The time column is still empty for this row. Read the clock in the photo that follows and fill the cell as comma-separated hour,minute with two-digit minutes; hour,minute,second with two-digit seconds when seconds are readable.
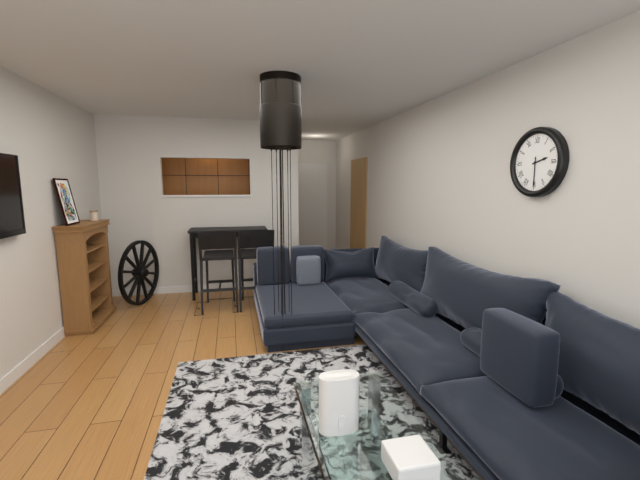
2,30
